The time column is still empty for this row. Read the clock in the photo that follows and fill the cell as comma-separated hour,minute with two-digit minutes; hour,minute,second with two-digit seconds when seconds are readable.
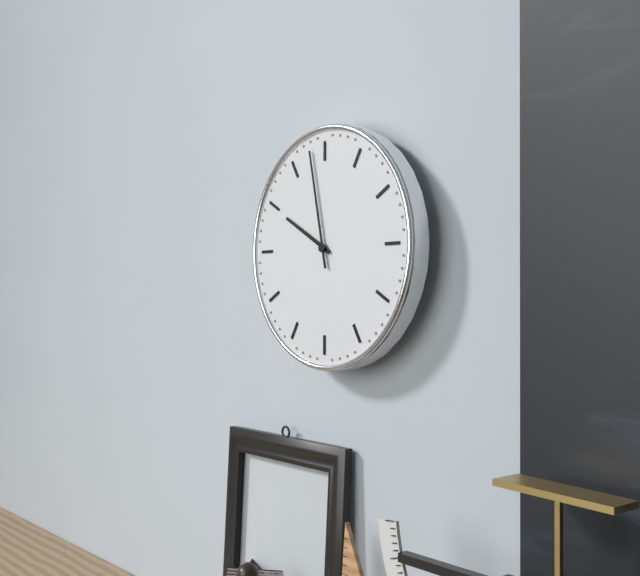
9,58
